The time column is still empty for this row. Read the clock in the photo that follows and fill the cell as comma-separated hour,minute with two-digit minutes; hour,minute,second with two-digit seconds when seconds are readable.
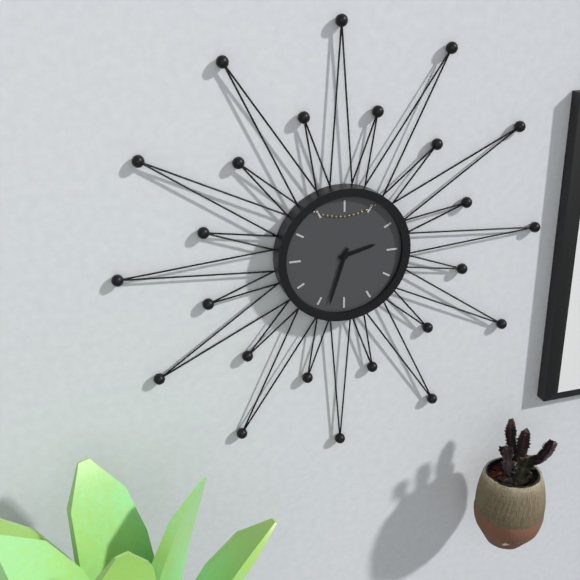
2,33
